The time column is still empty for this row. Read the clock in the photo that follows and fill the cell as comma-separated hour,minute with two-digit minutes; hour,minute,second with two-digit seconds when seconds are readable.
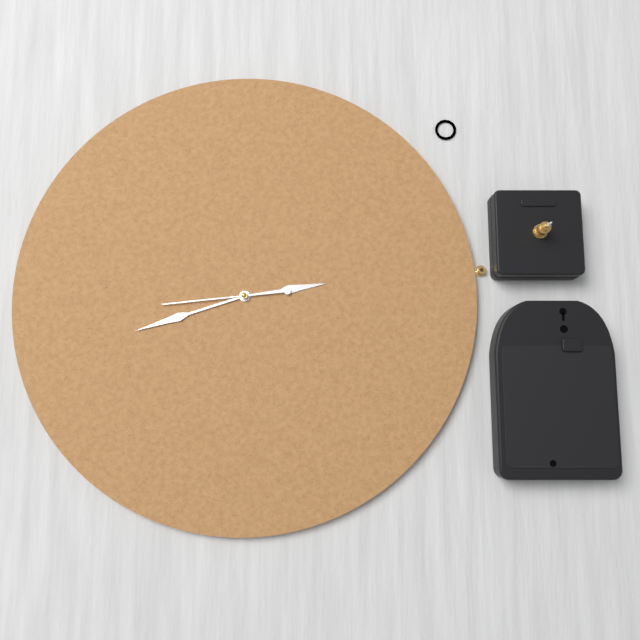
2,42,44
